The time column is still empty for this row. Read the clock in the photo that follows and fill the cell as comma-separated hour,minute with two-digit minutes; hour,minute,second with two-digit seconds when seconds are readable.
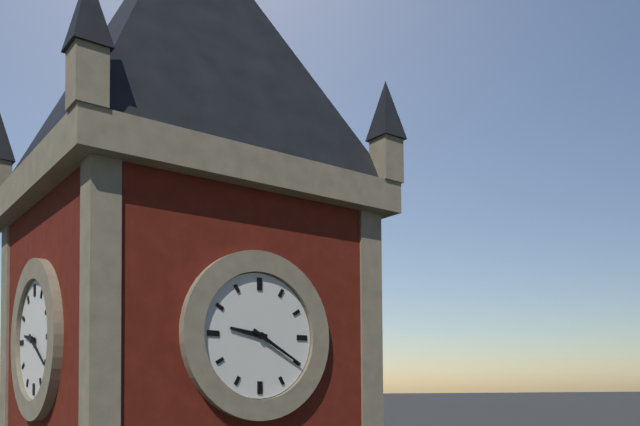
9,20
